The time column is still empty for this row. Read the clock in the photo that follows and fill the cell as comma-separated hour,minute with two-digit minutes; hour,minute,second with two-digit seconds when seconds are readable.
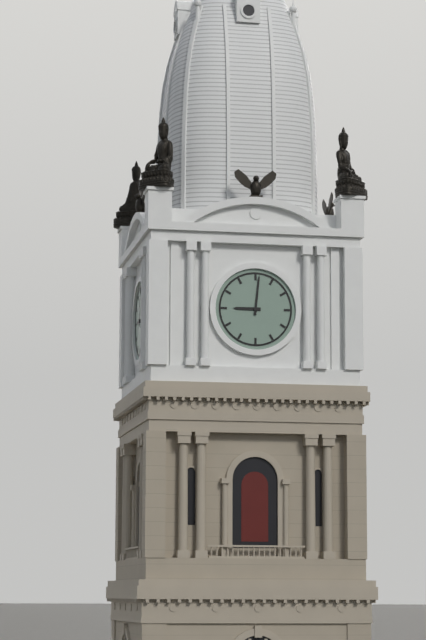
9,01
